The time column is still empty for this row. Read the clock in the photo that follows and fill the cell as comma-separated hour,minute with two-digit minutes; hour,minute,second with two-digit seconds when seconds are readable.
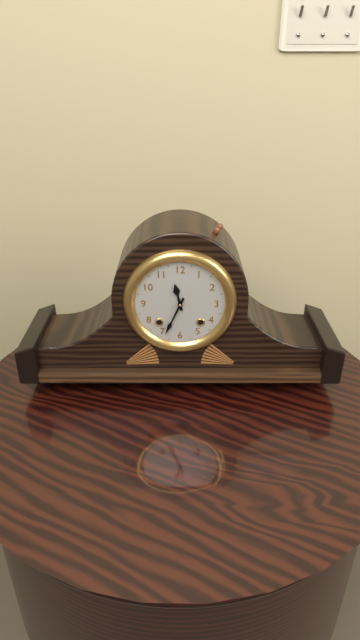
11,34
